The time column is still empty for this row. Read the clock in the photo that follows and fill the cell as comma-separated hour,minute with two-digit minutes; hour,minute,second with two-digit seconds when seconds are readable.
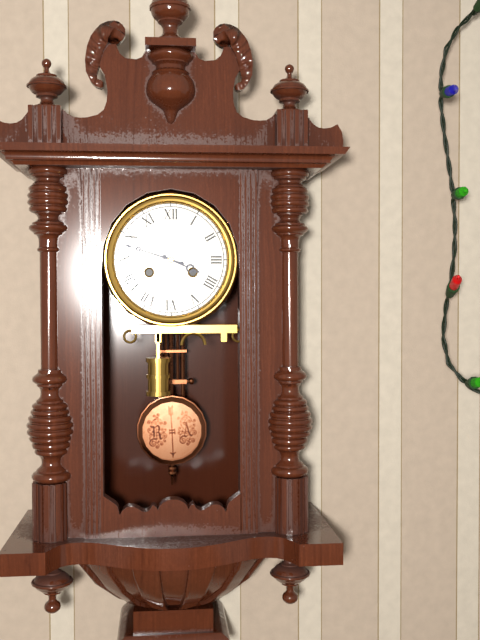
3,48
